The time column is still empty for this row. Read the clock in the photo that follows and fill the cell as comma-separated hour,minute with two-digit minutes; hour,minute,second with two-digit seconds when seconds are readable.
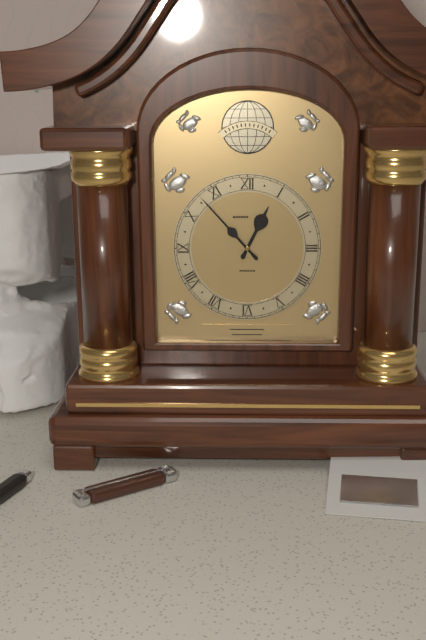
12,53
